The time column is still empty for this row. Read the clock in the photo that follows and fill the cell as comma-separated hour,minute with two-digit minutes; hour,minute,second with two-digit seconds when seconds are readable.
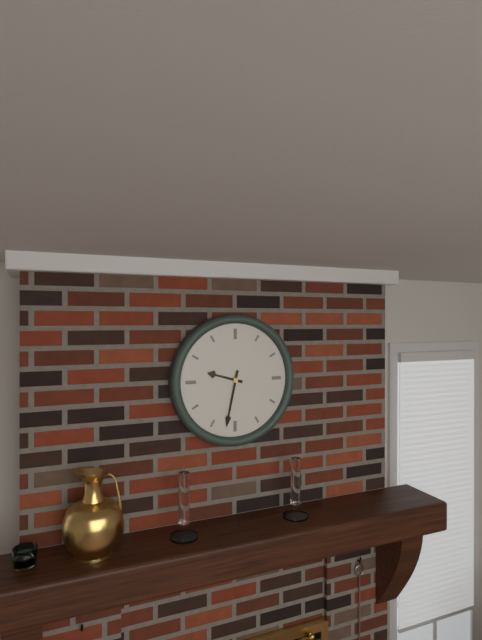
9,32
